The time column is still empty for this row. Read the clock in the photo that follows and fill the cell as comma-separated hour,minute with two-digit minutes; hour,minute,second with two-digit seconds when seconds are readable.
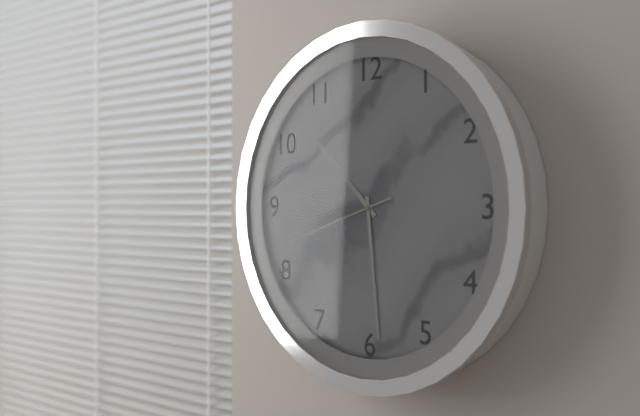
10,29,42
